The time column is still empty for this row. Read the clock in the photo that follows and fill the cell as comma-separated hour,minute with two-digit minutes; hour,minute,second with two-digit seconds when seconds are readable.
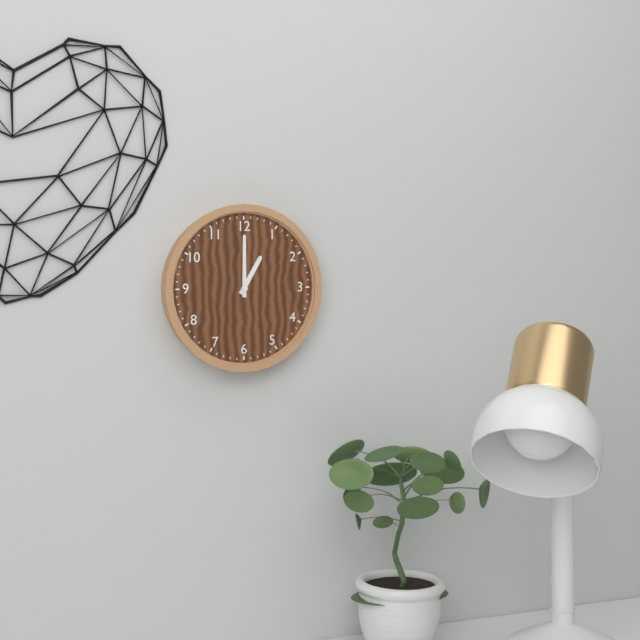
1,00
